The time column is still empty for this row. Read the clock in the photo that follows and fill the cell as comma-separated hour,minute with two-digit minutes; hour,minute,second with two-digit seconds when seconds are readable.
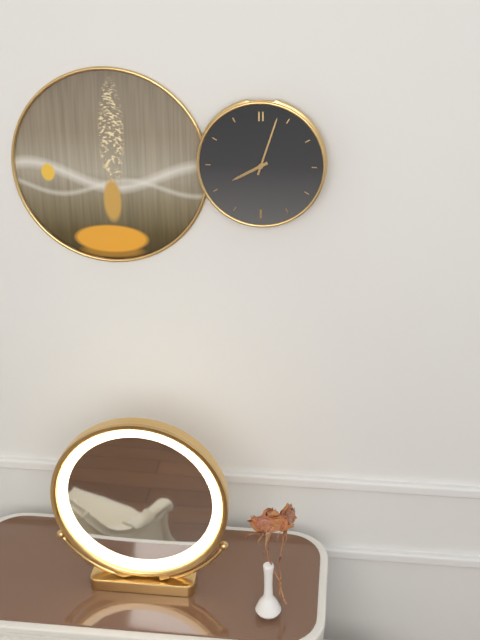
8,03
